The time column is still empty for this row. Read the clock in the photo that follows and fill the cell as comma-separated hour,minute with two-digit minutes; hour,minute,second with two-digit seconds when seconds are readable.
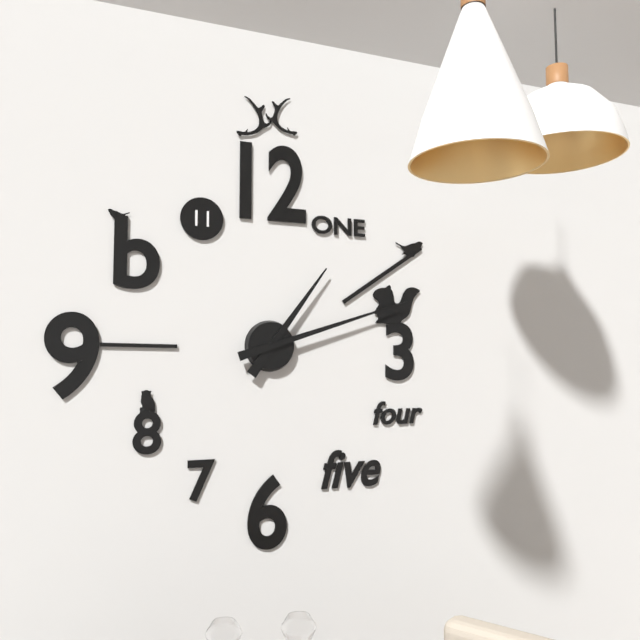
1,12
